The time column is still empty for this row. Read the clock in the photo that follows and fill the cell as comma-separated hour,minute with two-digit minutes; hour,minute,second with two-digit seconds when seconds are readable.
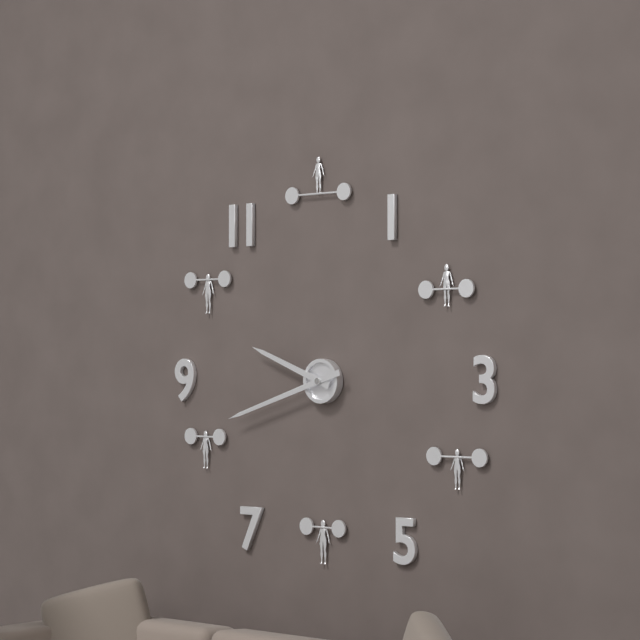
9,42
